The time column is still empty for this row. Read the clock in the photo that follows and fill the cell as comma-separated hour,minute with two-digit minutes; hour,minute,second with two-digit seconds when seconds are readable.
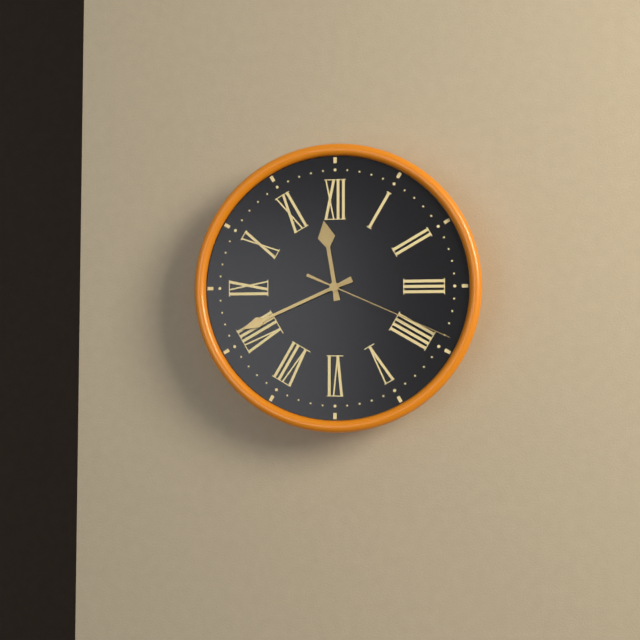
11,41,19
